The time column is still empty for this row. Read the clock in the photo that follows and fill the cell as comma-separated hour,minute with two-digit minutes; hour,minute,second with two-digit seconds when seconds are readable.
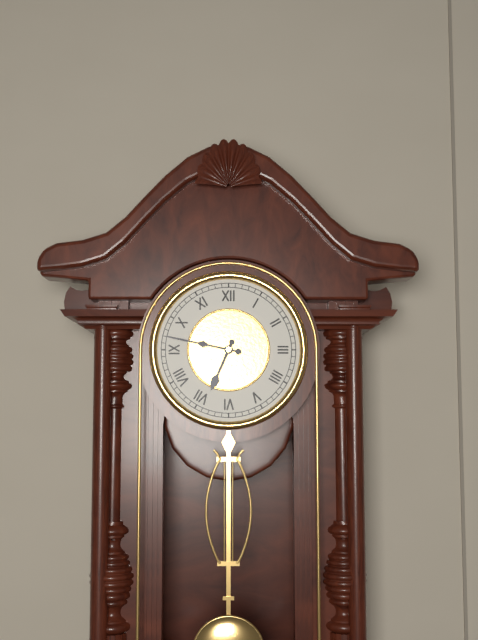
6,47
